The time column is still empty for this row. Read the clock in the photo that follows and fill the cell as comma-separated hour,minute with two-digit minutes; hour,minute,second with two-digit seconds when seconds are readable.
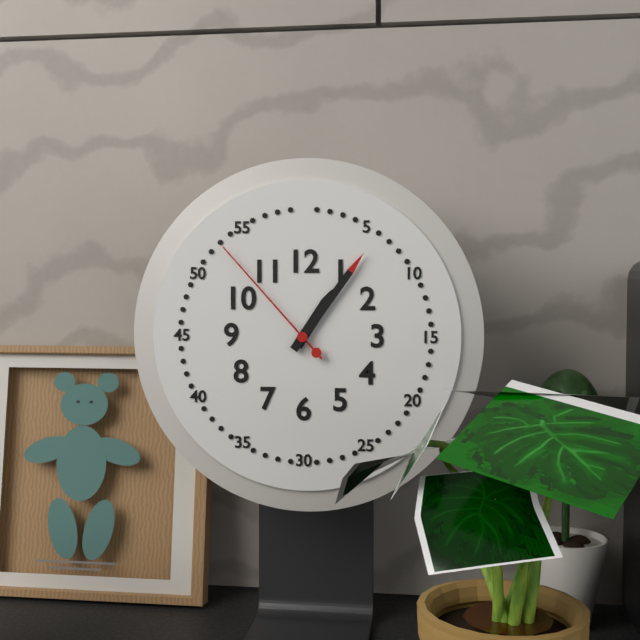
1,06,53
